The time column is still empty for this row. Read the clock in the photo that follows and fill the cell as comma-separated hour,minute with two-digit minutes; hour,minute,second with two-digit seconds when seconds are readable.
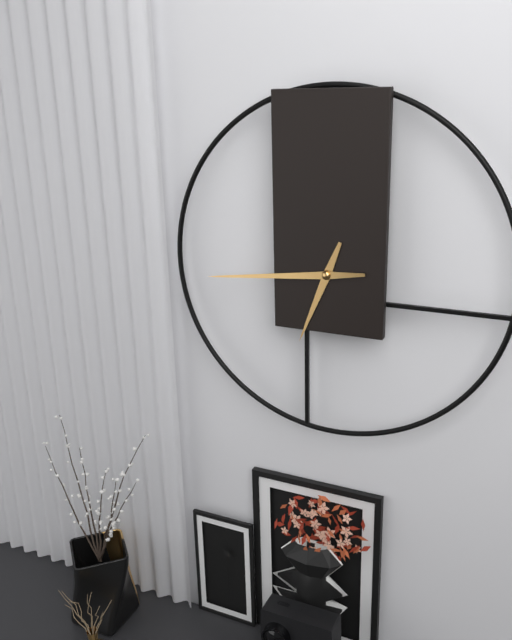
6,44
